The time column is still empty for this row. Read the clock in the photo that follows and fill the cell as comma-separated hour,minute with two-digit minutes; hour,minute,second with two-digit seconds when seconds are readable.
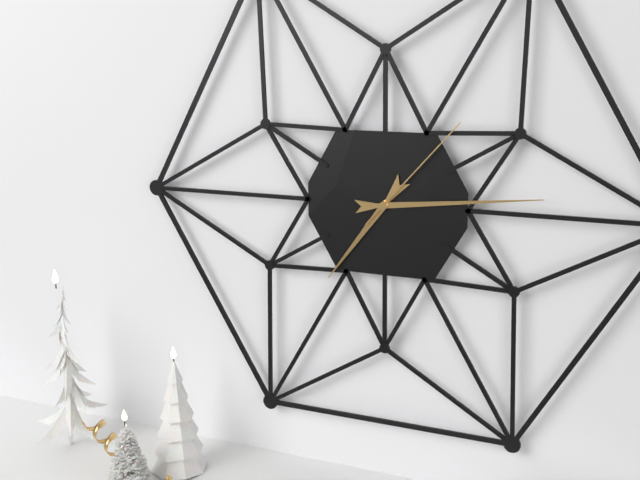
7,14,07
